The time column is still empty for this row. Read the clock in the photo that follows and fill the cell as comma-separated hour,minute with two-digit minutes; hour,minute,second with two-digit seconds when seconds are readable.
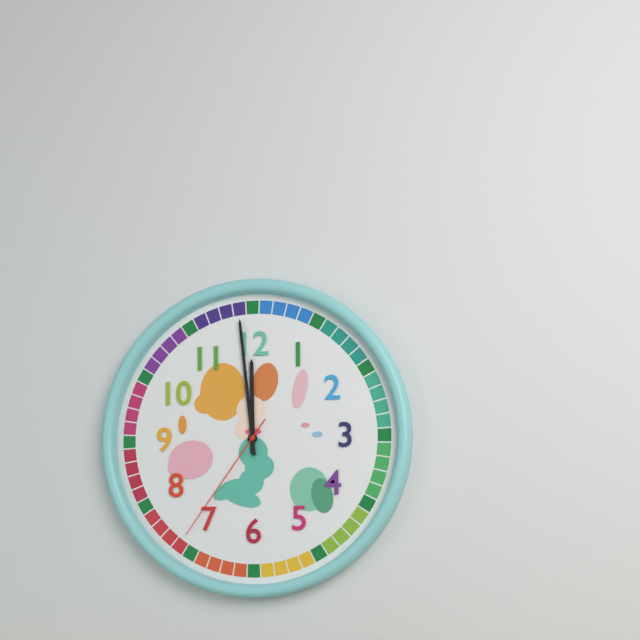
11,59,36
